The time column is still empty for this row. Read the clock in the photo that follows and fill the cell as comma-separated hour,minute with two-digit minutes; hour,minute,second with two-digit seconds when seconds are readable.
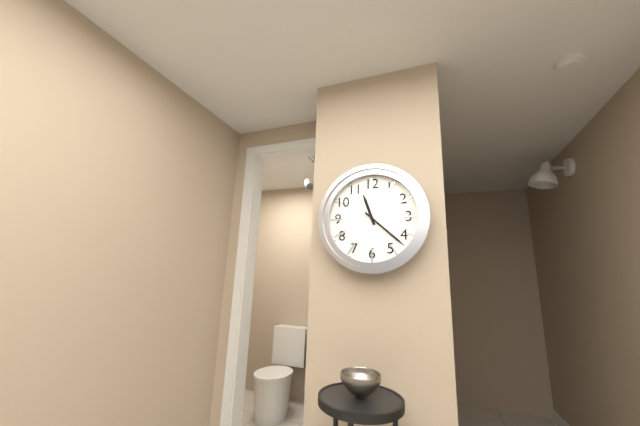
11,22
